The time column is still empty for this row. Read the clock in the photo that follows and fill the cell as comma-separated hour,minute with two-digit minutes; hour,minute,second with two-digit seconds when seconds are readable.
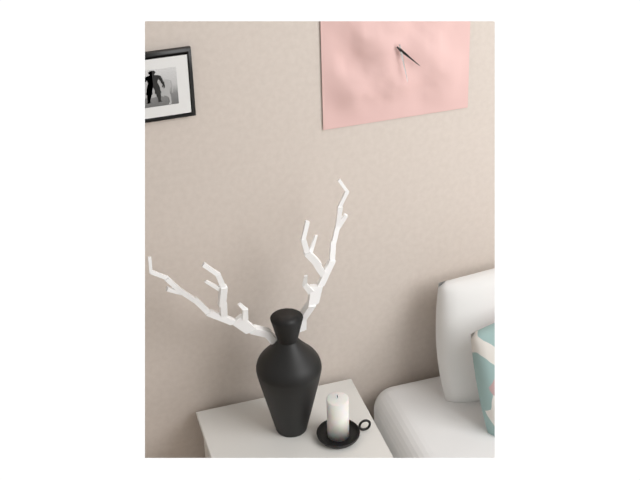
4,28
